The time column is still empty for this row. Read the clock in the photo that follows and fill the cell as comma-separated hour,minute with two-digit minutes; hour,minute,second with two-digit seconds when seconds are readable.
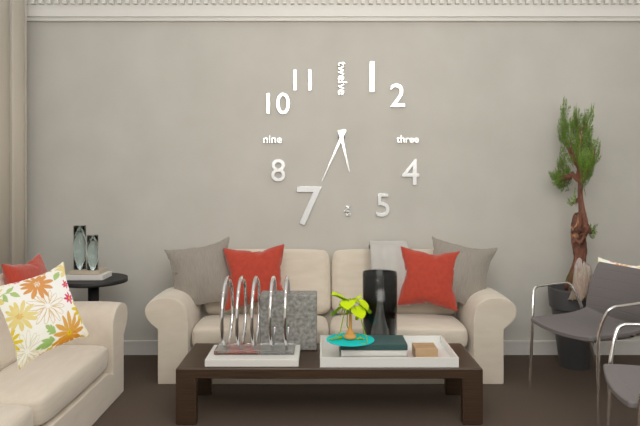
5,34
